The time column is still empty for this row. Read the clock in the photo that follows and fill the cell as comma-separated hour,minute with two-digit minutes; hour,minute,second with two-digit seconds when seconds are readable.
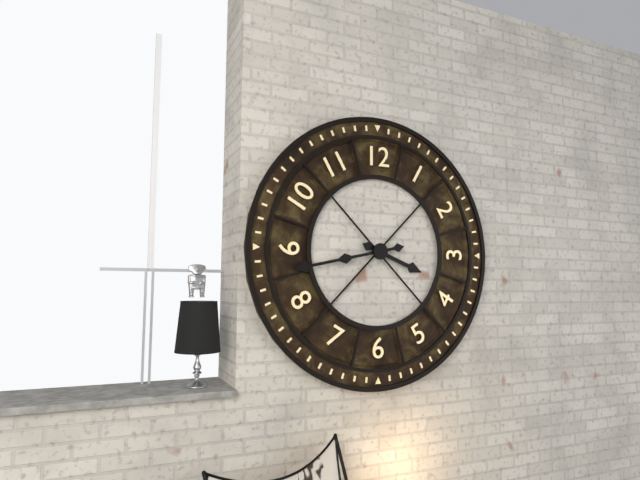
3,43
